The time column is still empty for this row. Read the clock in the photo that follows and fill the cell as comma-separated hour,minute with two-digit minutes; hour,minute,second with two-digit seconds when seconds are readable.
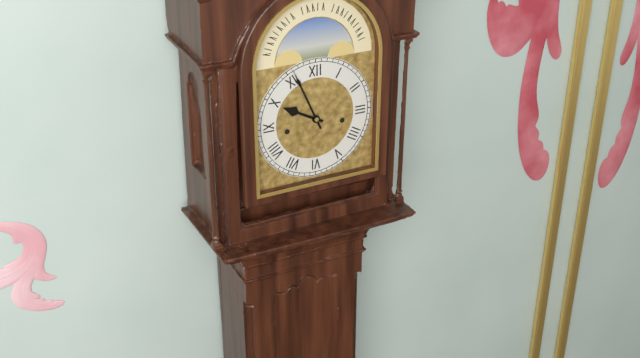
9,56
